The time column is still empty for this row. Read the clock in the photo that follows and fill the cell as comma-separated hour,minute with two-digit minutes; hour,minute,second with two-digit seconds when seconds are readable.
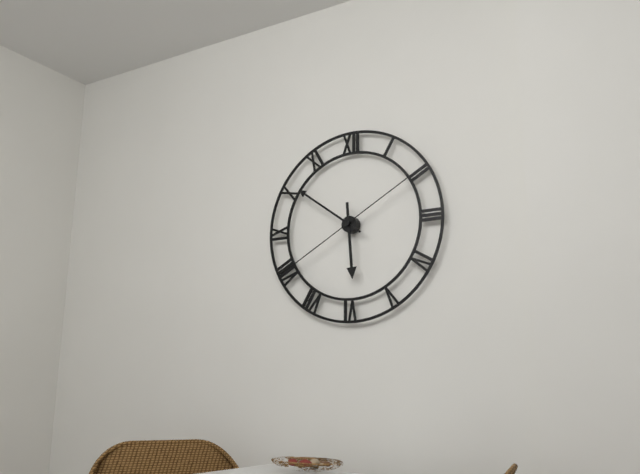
5,51,40
